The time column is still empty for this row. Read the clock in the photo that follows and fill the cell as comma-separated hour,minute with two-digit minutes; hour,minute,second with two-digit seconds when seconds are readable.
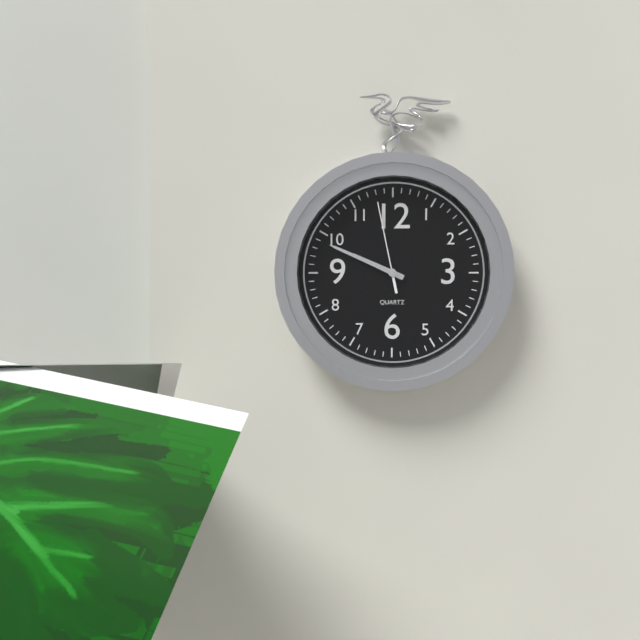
9,49,58
